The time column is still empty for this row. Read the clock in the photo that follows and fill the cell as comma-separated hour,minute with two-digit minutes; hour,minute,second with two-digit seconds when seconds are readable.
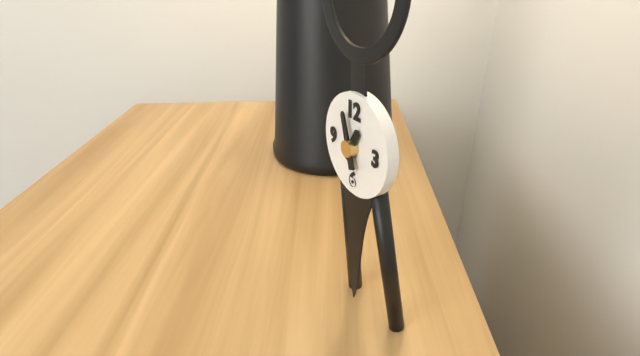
12,57
